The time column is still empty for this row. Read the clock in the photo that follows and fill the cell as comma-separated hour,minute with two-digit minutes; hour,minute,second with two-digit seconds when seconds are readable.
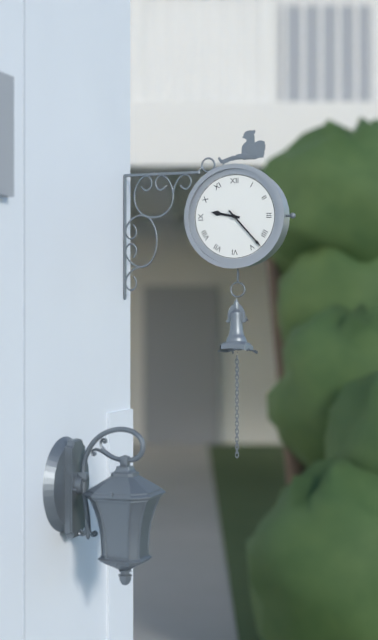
9,23
